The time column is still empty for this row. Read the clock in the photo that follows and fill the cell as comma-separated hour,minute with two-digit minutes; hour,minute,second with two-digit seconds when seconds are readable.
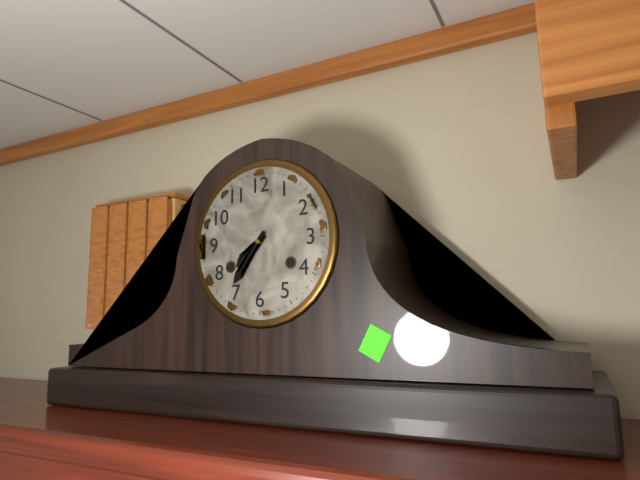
7,36
